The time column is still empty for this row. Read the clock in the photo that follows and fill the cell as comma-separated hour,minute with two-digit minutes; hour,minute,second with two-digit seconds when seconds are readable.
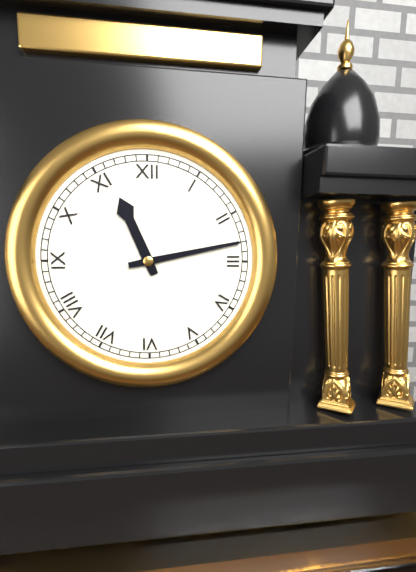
11,13
